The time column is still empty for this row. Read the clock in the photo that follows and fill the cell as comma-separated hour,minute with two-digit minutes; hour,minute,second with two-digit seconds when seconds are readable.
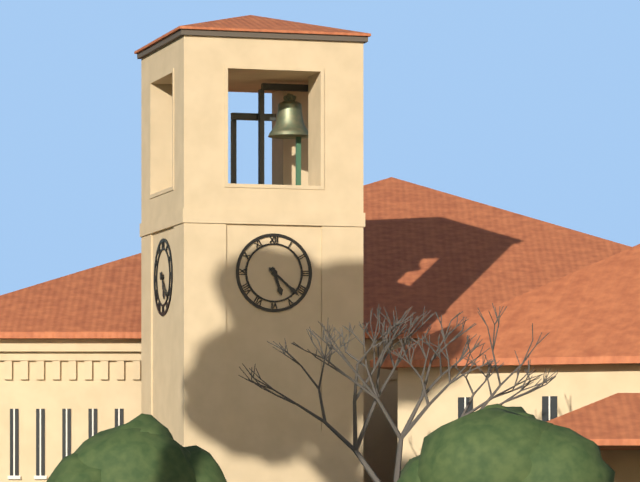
5,22
